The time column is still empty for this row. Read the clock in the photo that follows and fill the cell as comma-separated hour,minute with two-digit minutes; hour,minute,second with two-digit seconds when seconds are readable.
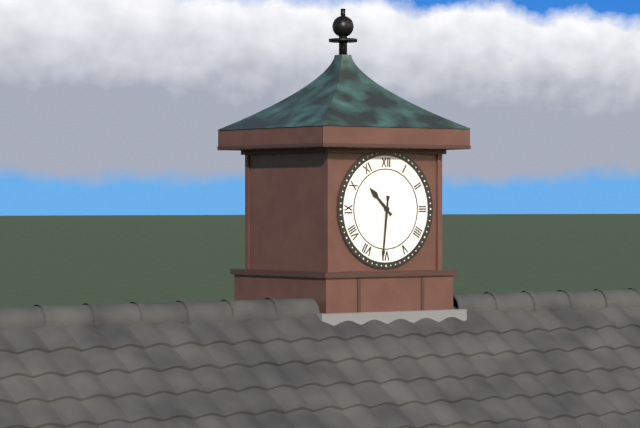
10,31
